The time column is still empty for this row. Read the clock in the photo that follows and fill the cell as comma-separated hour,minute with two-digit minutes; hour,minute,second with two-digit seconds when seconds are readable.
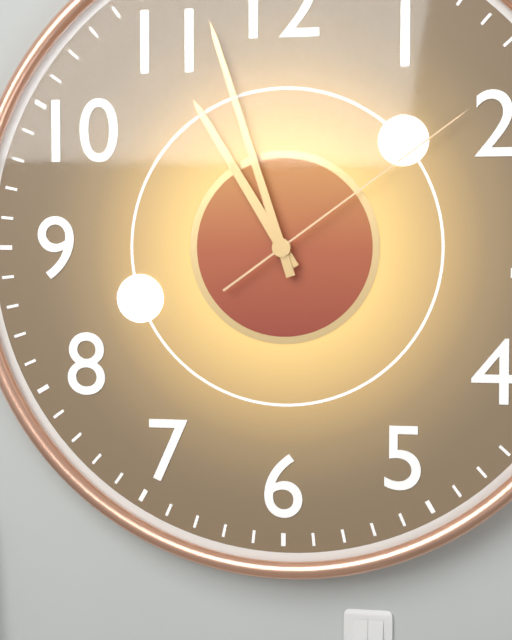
10,57,09
